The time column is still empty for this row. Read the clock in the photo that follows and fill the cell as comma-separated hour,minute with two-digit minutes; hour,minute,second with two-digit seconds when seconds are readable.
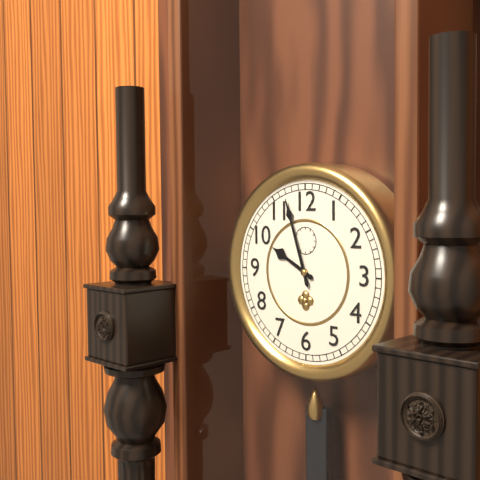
9,57
